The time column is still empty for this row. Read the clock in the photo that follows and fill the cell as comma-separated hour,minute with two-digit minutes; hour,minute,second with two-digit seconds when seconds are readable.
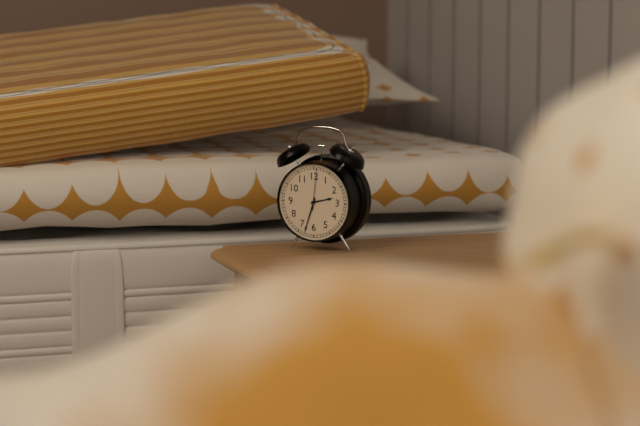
2,33
